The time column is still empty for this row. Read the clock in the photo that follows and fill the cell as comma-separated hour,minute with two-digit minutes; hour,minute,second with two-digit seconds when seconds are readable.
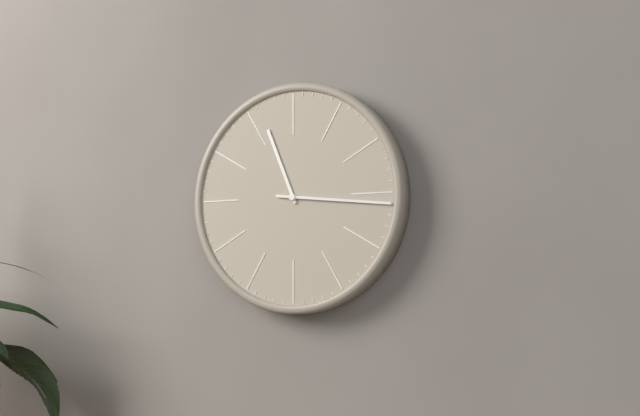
11,16
